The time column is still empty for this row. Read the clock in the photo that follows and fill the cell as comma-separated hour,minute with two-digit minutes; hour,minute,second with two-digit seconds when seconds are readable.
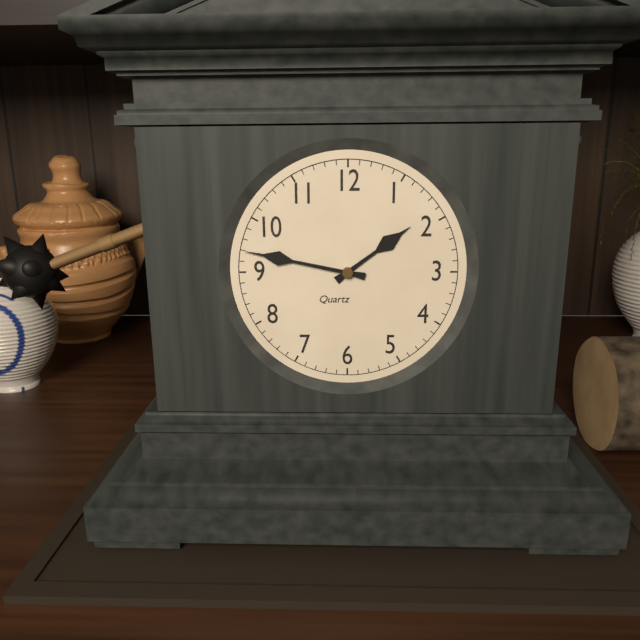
1,47
